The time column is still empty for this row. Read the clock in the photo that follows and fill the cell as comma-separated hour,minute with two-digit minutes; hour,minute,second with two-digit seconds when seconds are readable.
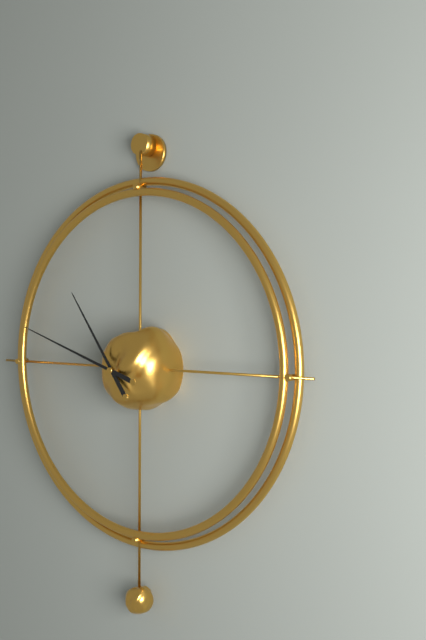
10,48
